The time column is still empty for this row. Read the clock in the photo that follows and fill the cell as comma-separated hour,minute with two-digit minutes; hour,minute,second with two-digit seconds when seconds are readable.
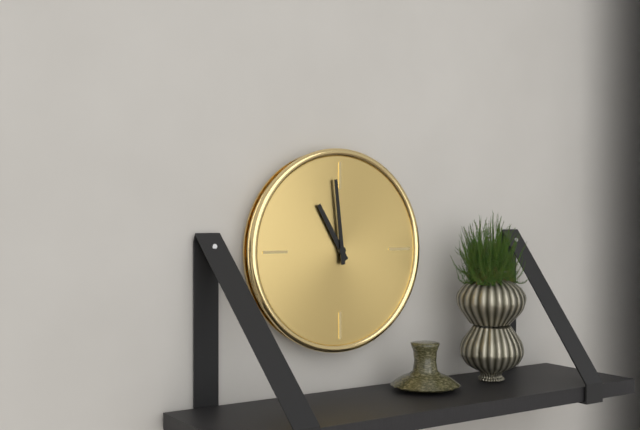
10,59
